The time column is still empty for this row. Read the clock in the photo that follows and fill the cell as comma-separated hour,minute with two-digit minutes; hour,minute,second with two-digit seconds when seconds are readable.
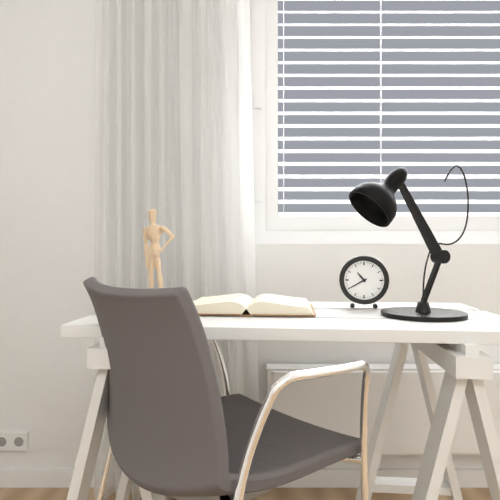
10,40
